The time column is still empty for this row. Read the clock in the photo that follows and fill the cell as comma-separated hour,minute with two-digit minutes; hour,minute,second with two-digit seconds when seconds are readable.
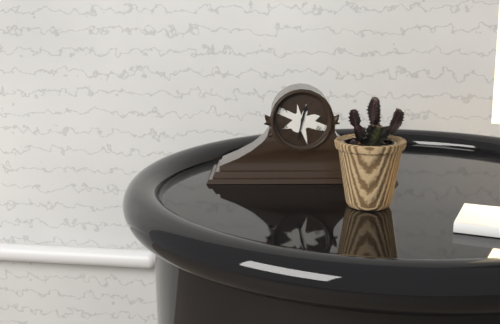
12,32
